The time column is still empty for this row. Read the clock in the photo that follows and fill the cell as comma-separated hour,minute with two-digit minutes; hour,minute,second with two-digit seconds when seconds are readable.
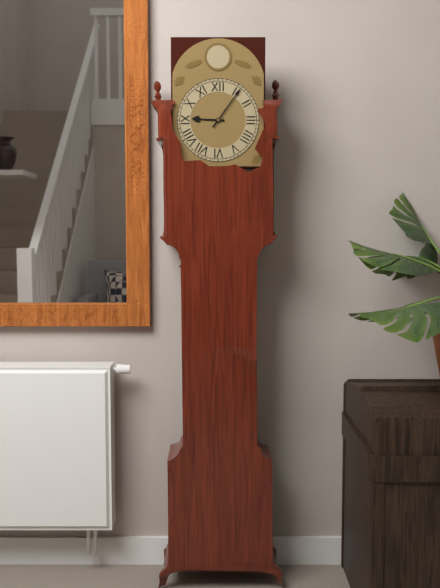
9,06
